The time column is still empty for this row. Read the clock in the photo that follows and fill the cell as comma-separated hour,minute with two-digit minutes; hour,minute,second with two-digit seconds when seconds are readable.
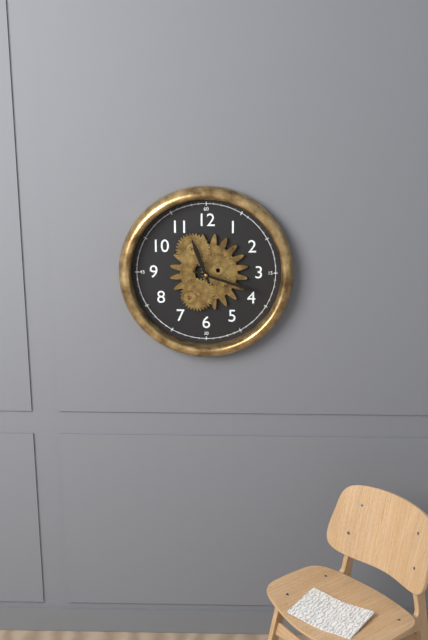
11,18
